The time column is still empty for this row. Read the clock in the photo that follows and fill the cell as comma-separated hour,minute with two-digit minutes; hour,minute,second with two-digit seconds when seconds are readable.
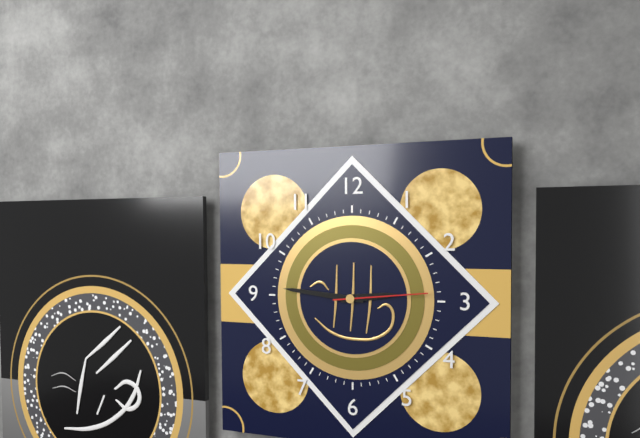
2,46,14
